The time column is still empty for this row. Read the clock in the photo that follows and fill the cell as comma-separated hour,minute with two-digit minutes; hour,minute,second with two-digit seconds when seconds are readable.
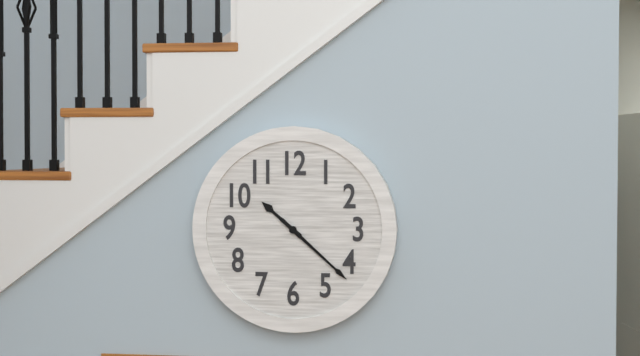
10,22
